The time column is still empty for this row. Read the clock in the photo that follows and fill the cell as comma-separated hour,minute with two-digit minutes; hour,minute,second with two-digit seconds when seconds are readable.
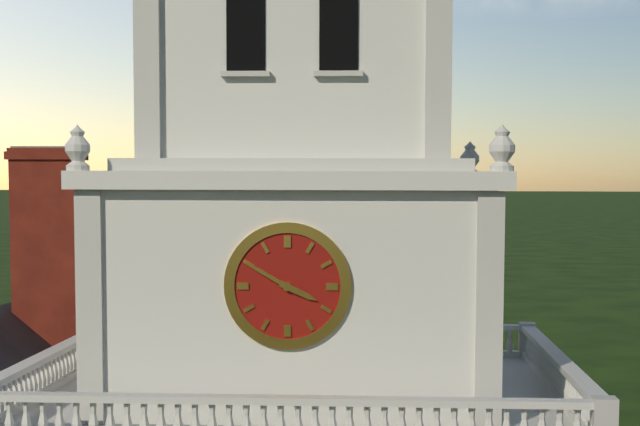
3,50
